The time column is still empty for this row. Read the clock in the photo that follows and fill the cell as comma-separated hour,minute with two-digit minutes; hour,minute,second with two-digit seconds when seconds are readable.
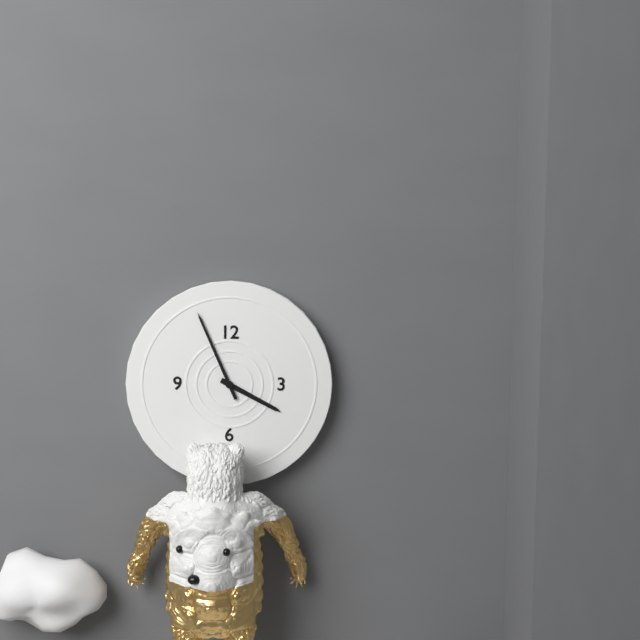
3,56
